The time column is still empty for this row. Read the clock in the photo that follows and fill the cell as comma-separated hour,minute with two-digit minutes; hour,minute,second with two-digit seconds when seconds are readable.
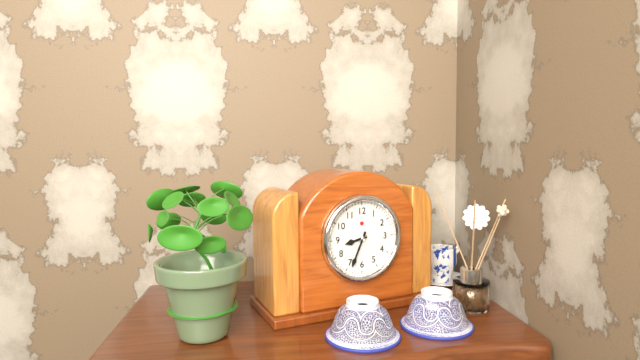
8,34
